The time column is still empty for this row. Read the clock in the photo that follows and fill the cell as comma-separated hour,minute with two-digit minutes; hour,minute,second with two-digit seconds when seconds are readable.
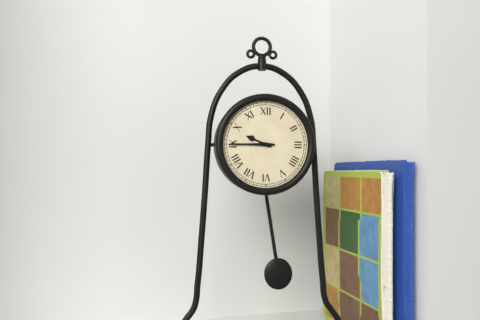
9,45
